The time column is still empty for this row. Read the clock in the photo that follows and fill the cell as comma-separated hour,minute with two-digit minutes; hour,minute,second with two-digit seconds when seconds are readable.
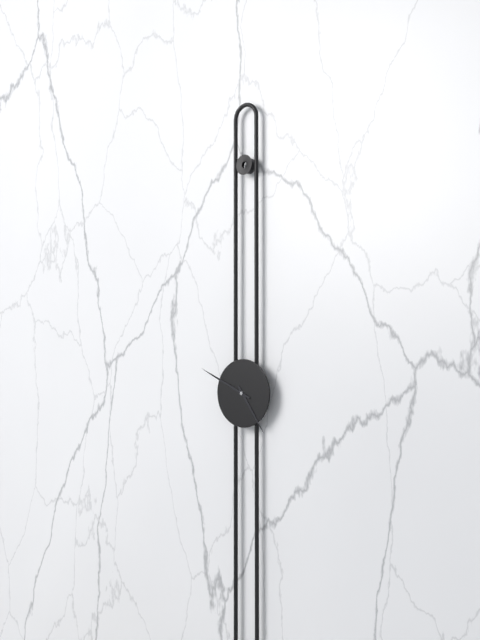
4,49
